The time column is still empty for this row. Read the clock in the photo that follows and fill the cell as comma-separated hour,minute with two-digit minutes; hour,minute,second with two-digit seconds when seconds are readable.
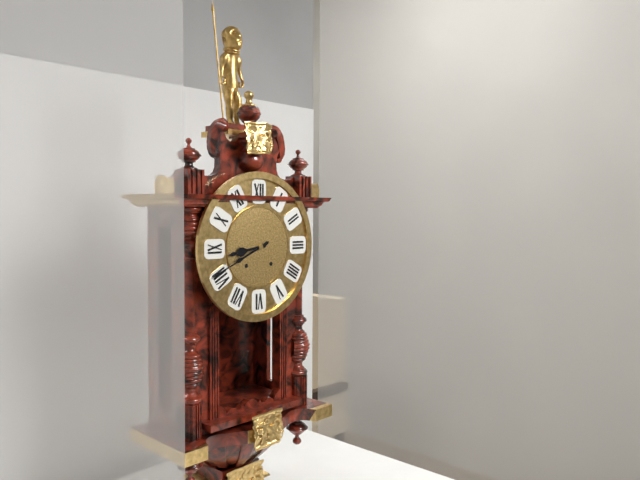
8,41
